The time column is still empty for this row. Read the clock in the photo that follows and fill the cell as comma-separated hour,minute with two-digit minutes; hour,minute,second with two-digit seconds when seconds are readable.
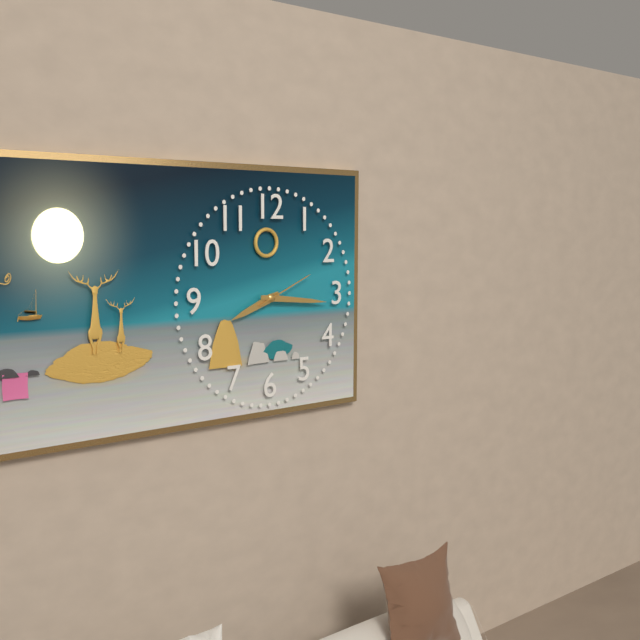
8,16,11
